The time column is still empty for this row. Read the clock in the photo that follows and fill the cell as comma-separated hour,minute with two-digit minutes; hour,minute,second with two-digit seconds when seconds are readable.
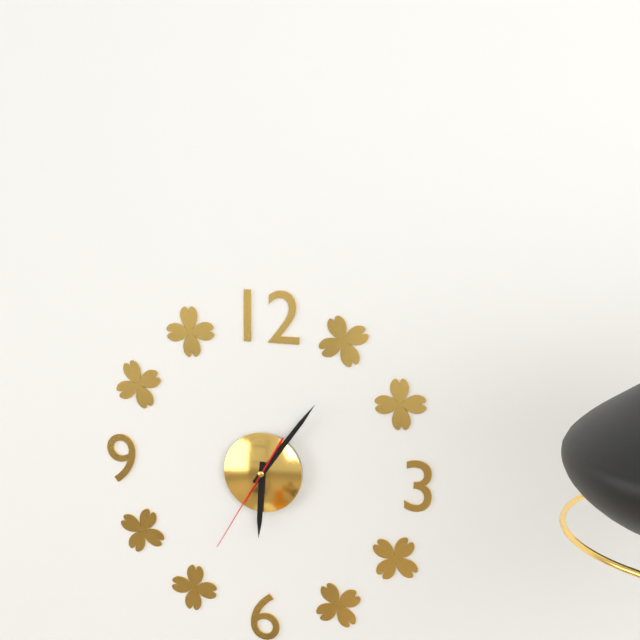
6,06,35
